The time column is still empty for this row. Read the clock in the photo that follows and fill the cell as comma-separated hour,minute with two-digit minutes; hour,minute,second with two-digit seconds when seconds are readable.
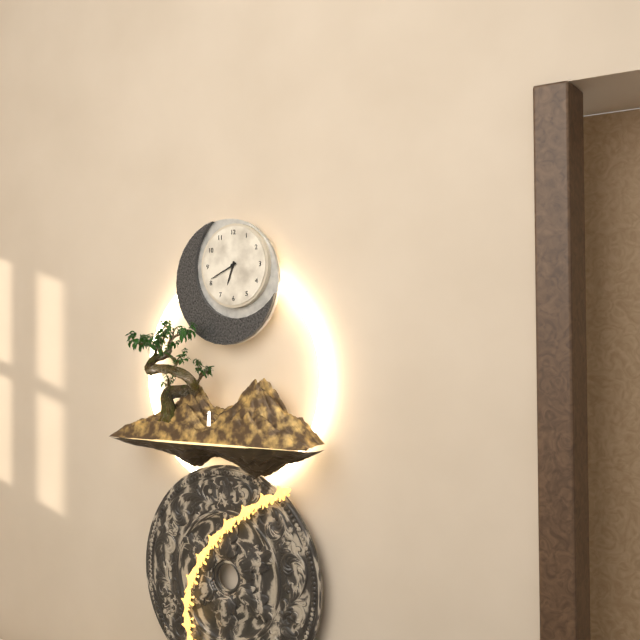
6,41
